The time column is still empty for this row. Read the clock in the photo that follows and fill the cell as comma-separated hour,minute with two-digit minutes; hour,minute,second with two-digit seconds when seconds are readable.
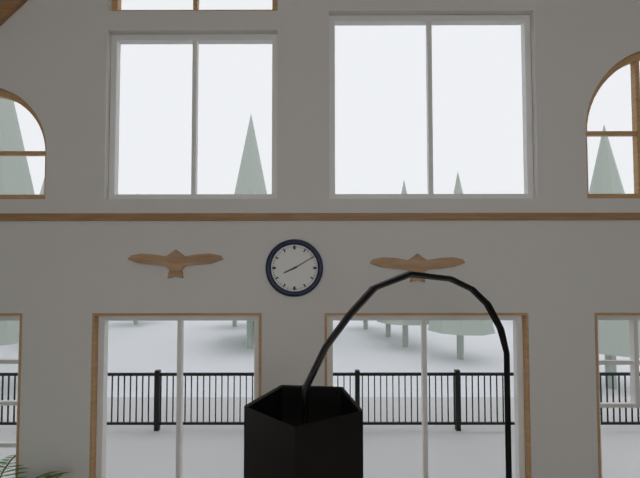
8,10
